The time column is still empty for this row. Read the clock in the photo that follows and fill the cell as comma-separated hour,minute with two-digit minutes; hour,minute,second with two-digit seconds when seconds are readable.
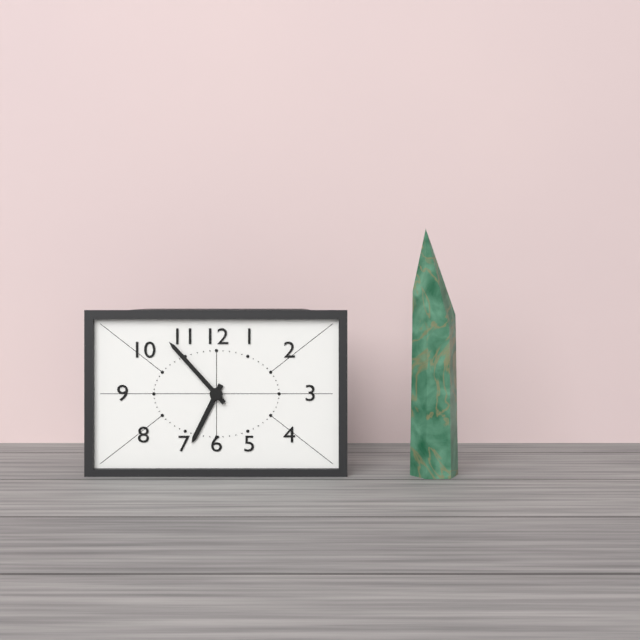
6,53
